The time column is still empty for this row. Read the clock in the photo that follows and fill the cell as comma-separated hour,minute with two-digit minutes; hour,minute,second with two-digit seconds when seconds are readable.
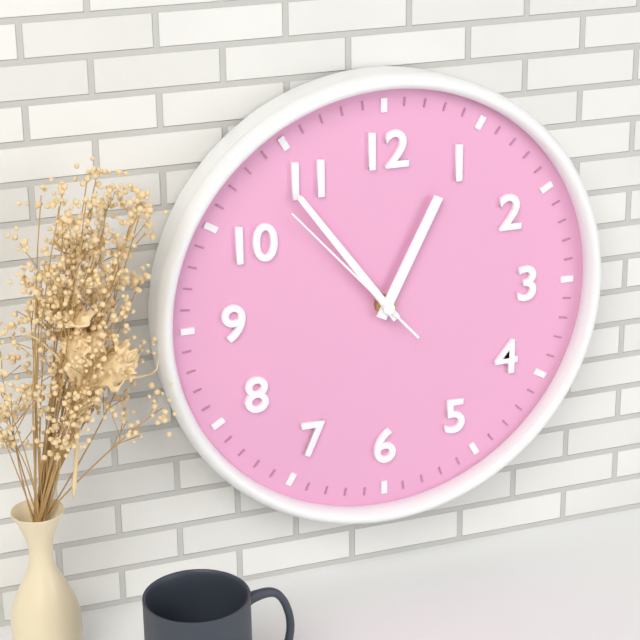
12,54,53
